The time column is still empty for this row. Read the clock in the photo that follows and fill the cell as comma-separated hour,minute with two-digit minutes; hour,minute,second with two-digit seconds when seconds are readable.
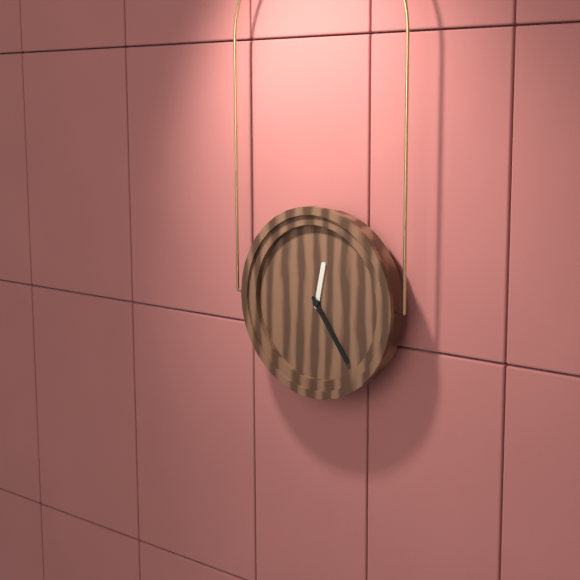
12,24
